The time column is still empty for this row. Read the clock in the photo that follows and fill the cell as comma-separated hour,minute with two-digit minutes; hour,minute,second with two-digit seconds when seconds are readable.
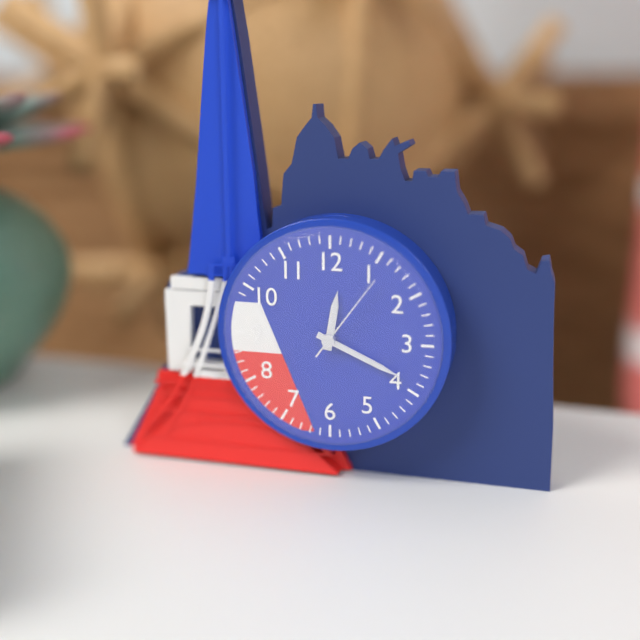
12,19,06
